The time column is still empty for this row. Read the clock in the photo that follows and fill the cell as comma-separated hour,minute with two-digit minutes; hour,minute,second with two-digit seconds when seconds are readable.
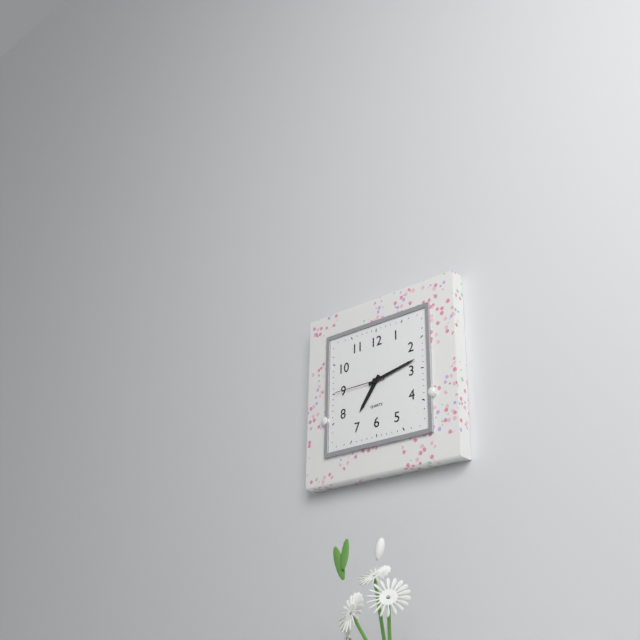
7,13,45
